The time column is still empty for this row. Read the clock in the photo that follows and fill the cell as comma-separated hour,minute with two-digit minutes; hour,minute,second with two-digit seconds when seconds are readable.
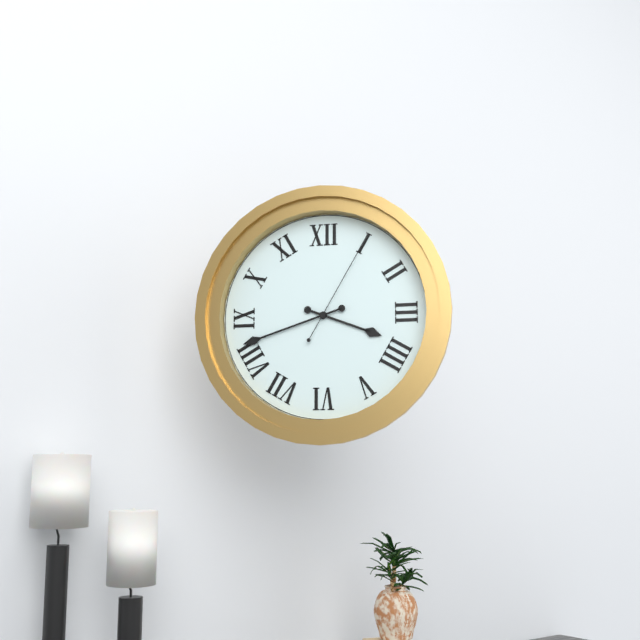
3,42,05
